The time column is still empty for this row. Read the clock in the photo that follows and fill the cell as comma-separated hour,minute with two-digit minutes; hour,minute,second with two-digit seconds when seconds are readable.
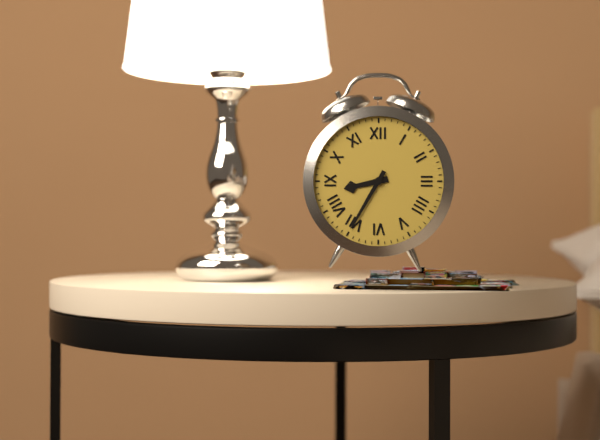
8,35
